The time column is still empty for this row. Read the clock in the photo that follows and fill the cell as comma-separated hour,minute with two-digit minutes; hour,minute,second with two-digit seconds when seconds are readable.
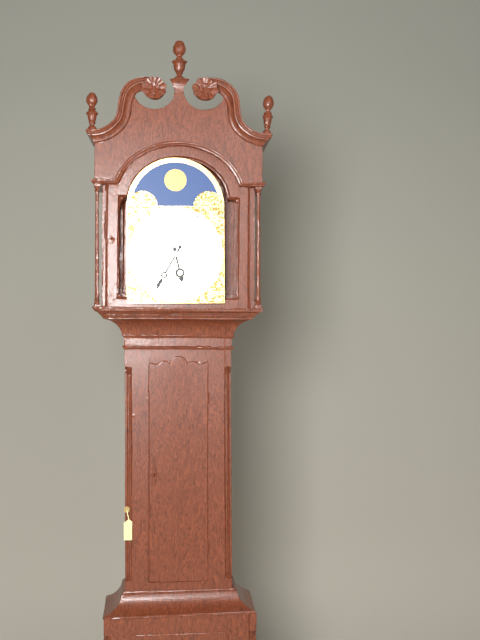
5,35
